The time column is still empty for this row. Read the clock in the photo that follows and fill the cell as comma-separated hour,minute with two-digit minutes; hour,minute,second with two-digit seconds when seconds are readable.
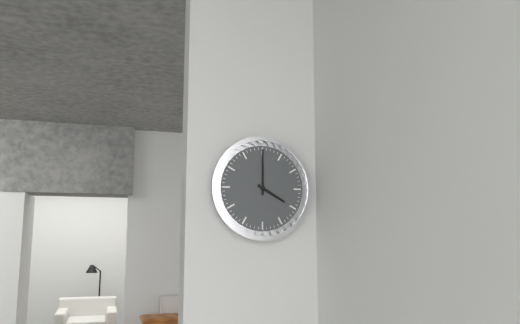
4,00
